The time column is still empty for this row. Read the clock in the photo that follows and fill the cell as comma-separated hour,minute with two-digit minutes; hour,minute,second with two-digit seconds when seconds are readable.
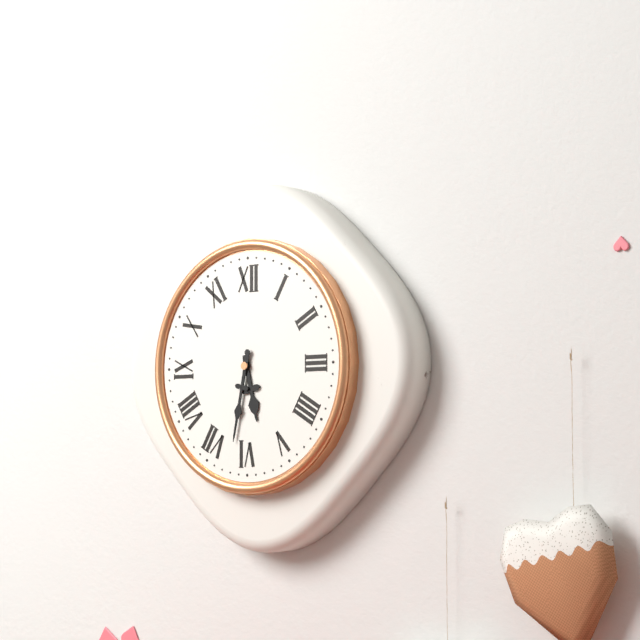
5,32
